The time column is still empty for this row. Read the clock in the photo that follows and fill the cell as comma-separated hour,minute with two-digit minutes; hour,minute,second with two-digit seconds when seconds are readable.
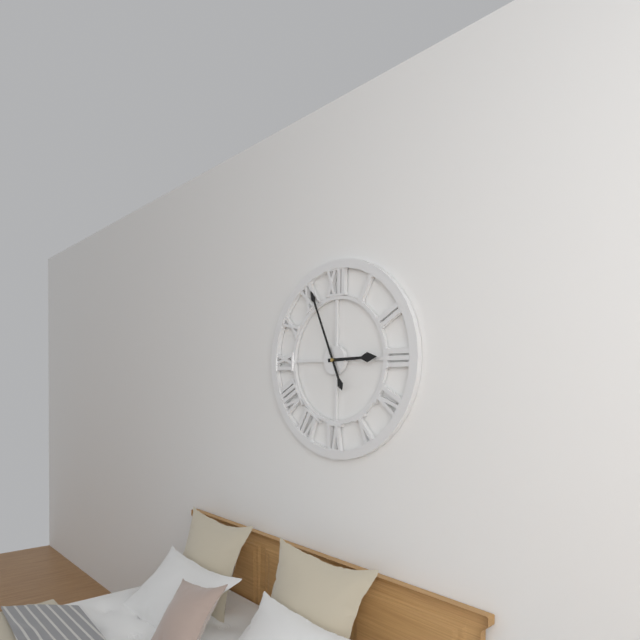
2,56
